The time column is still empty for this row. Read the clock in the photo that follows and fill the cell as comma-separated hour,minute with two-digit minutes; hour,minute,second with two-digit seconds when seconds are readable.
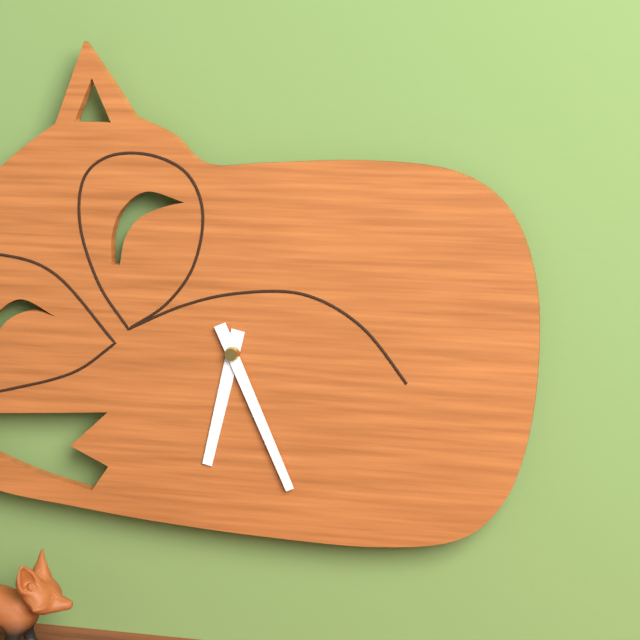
6,26
